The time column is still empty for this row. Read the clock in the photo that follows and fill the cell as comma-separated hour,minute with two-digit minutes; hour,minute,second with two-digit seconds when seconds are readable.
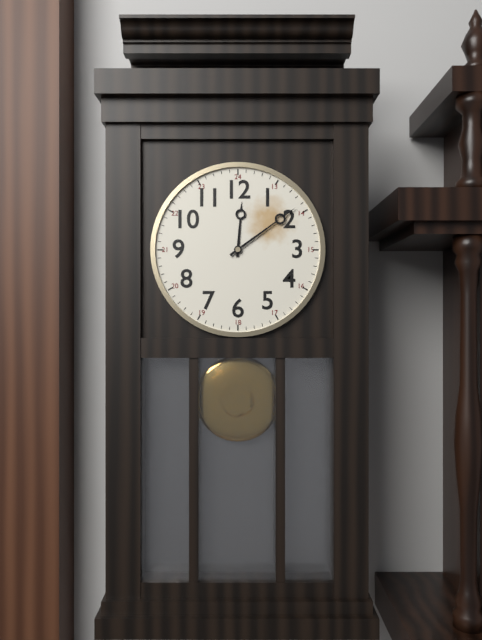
12,09
